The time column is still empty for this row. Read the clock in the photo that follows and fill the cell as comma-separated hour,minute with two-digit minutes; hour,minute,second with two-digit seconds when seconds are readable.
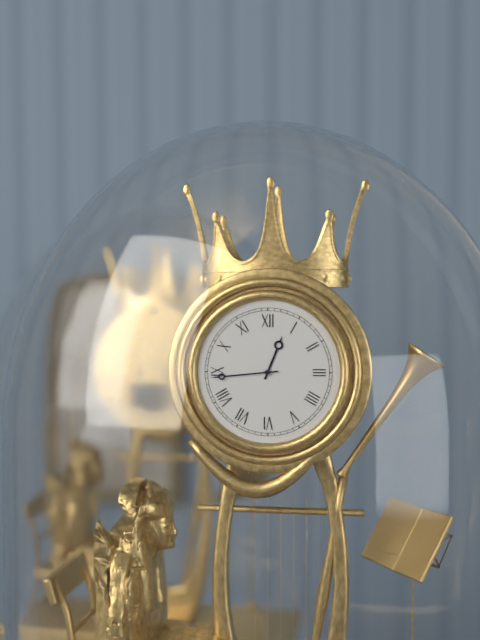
12,44
